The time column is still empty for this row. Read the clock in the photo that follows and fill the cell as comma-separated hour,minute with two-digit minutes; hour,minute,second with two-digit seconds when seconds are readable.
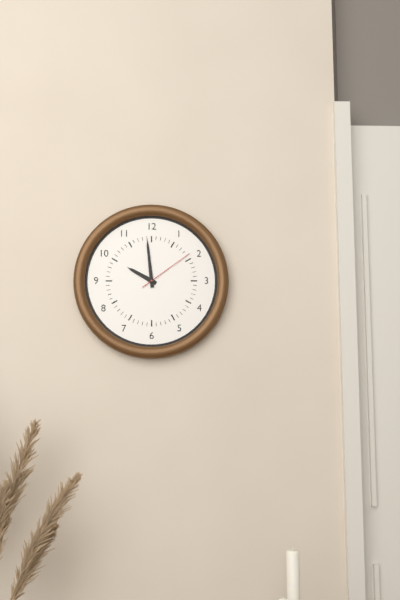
9,59,09
